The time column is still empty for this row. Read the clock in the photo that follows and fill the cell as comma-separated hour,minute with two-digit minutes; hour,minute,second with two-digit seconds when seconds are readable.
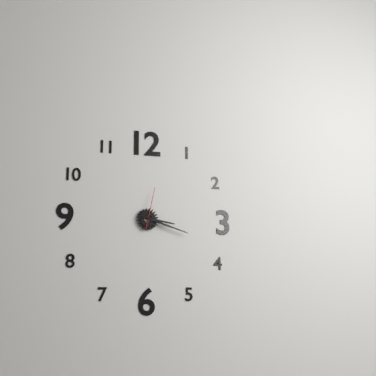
3,18
